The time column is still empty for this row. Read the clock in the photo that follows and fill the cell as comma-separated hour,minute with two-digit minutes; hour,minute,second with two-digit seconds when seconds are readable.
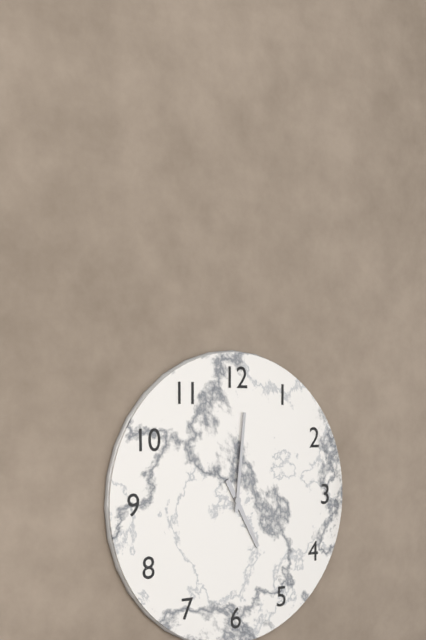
5,01
